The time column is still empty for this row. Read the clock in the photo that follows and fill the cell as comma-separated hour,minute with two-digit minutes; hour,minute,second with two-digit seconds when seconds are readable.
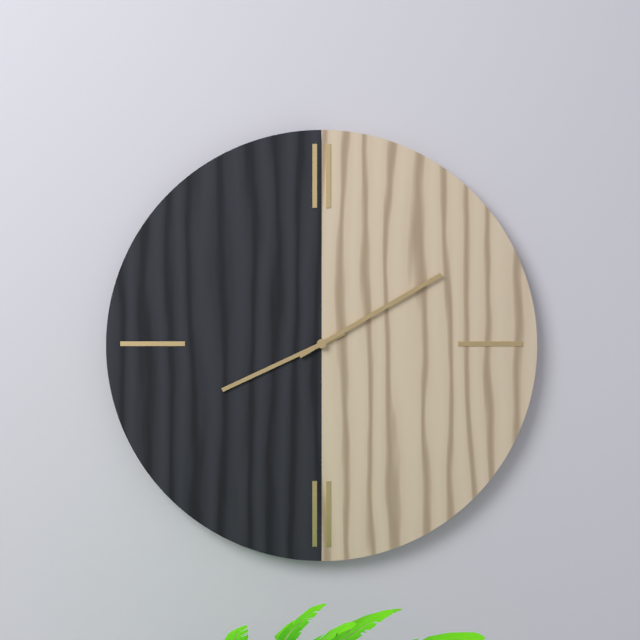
8,10
